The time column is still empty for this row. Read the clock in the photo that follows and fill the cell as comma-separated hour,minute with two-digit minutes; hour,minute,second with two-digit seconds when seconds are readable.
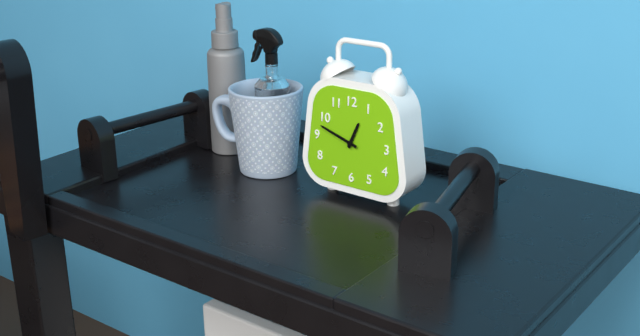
12,48
